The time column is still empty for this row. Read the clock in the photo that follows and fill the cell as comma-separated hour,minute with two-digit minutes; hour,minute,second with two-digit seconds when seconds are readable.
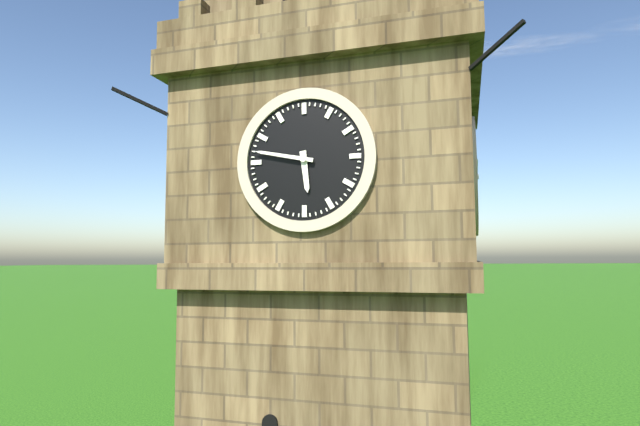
5,47
